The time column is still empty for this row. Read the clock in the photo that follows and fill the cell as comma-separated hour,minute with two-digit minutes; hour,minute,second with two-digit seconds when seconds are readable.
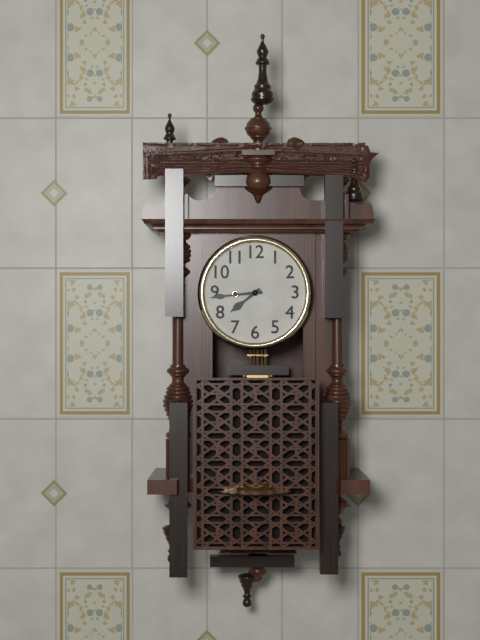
7,44
